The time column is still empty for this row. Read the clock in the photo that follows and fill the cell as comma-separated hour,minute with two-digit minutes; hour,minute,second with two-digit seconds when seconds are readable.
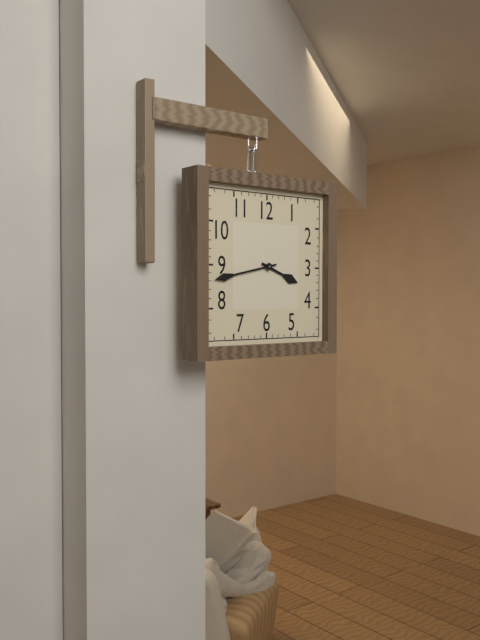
3,43
